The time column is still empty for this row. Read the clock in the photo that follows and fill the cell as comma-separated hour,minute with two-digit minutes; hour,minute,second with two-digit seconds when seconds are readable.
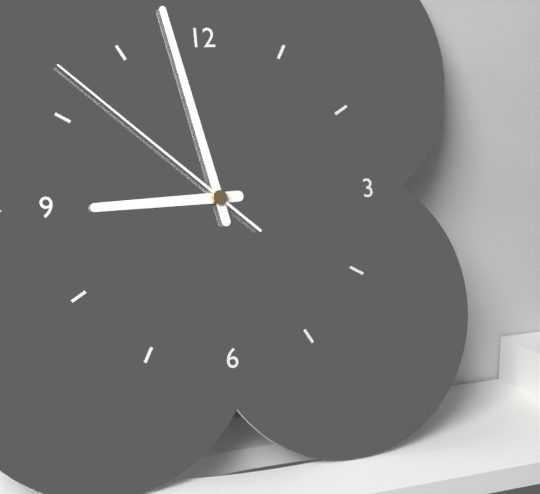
8,58,52
